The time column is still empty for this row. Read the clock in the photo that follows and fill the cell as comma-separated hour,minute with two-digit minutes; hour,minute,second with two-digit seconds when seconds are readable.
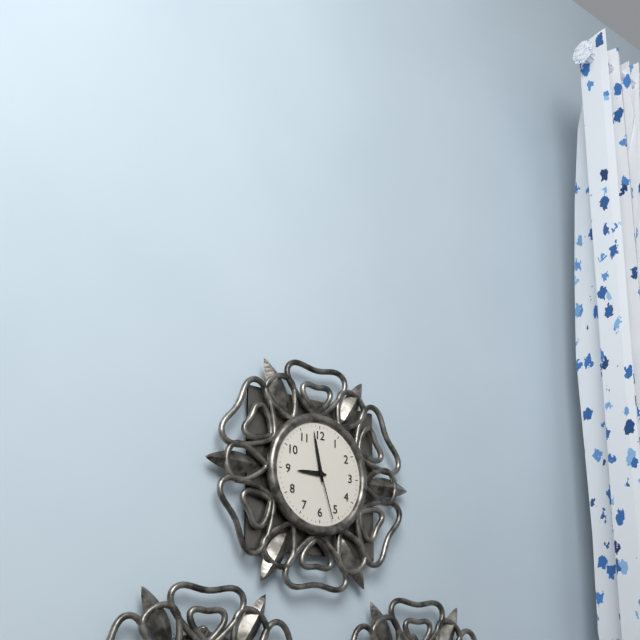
8,58,27
